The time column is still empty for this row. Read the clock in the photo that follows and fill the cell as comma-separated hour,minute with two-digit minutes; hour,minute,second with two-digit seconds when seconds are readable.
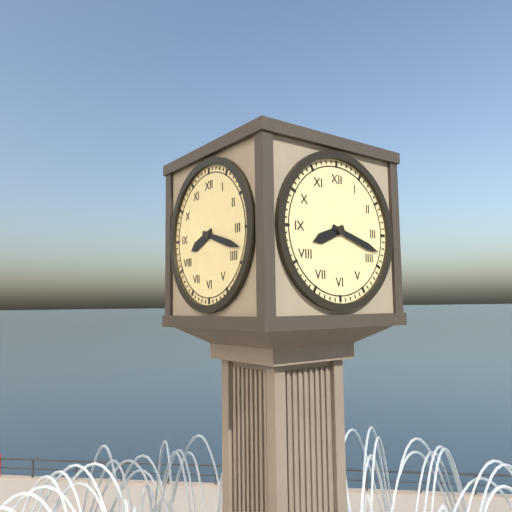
8,18
